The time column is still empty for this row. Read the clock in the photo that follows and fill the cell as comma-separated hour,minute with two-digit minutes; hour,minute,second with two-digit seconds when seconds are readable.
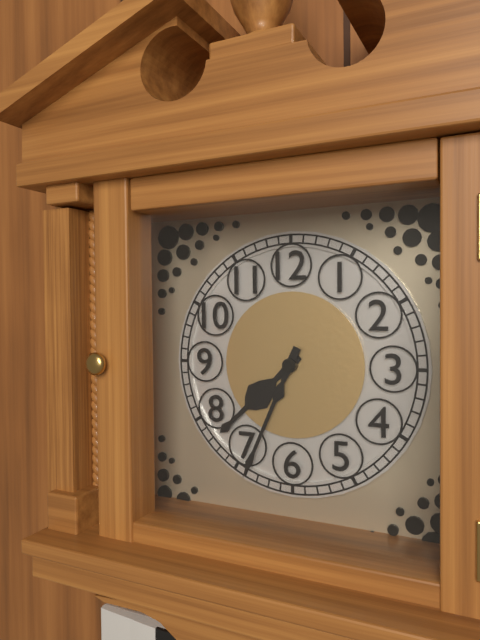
7,34
